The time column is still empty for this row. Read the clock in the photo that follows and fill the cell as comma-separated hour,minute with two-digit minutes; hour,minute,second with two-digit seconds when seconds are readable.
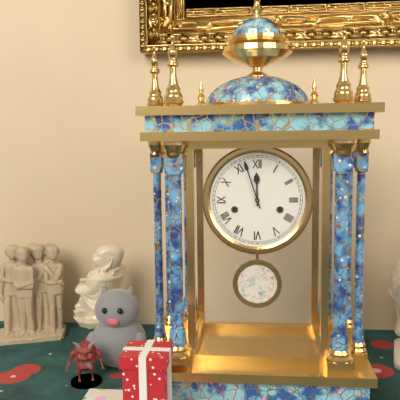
11,57
